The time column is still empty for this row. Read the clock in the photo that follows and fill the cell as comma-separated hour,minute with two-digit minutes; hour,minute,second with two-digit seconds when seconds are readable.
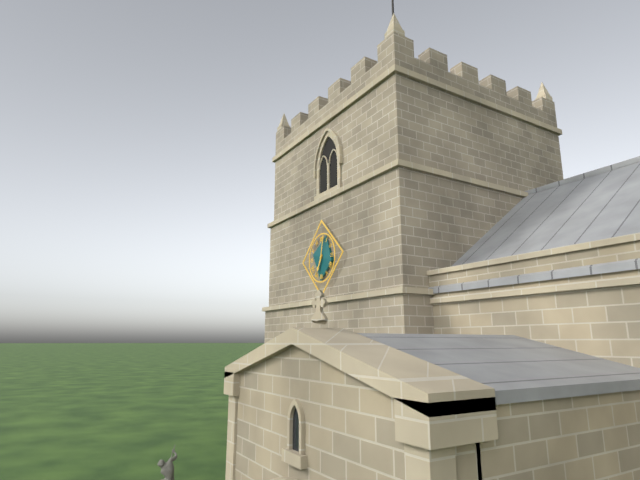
7,02
